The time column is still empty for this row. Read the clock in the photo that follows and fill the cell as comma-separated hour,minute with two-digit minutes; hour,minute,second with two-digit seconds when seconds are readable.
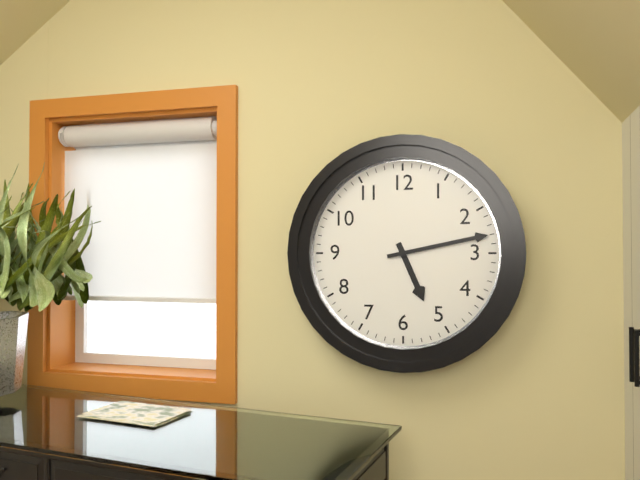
5,13
